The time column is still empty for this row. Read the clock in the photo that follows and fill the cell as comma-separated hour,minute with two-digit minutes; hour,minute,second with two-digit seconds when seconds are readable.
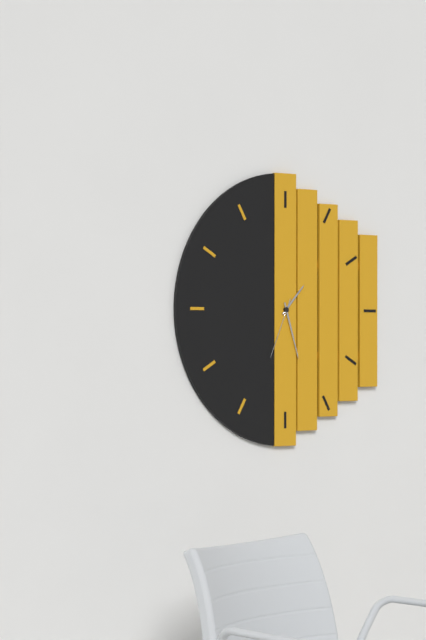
1,27,34
